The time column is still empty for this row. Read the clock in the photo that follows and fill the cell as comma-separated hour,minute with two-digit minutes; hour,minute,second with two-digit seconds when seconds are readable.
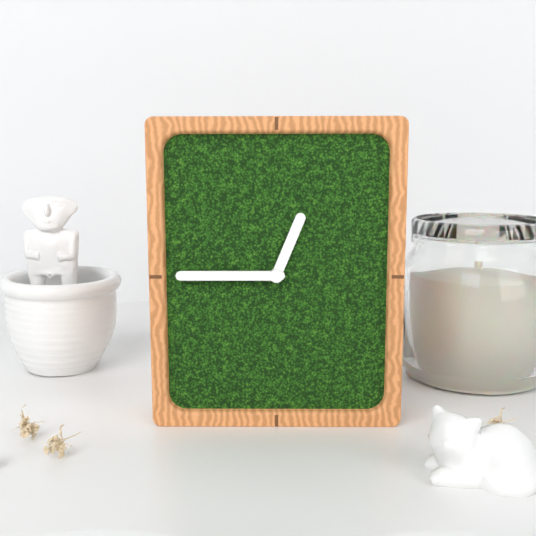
12,45
